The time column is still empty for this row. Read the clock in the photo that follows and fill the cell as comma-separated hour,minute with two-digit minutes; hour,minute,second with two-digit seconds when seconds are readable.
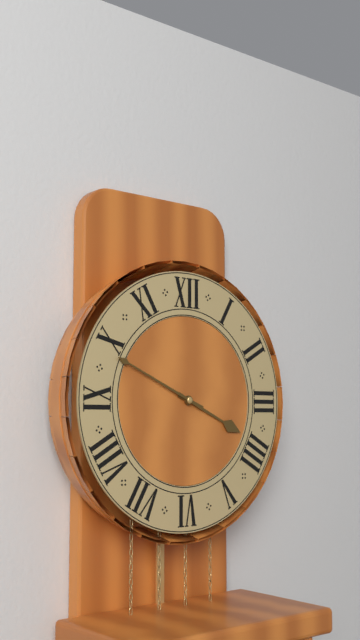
3,49
